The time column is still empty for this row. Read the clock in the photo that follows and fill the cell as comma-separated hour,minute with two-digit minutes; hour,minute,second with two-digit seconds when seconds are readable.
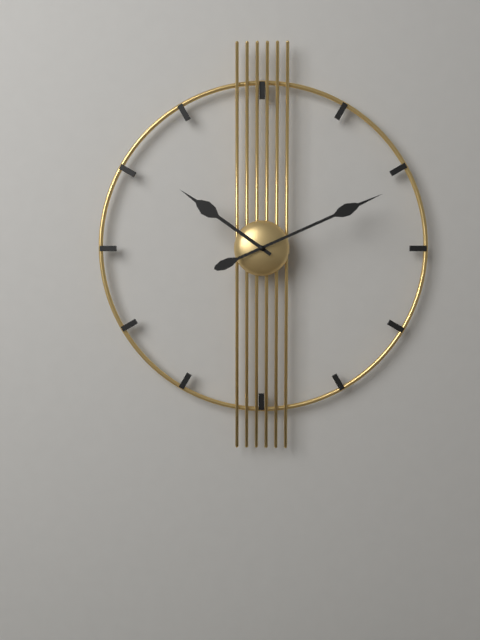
10,11
